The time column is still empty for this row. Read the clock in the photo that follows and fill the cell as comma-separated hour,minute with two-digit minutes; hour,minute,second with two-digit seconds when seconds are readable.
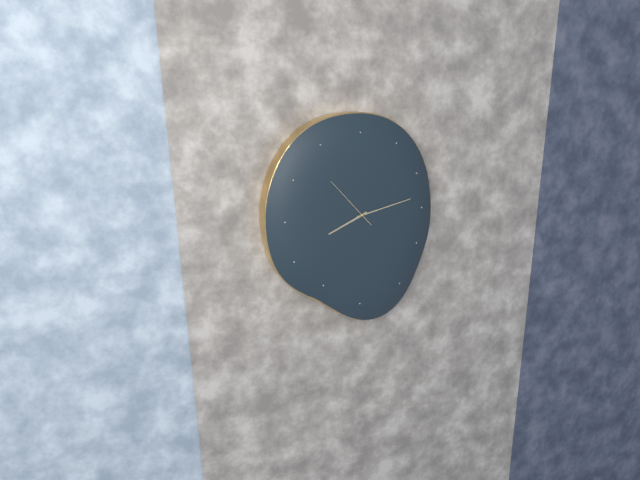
8,13,53
